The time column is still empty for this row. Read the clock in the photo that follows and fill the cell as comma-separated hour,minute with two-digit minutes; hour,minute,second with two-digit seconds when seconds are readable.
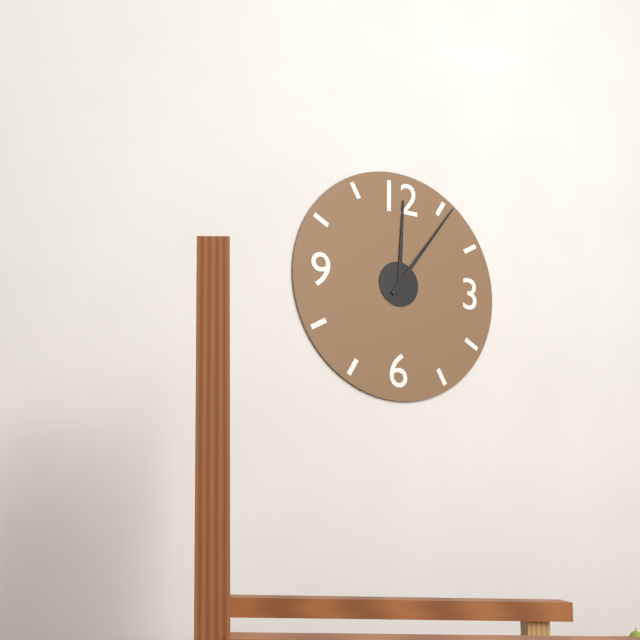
12,06
